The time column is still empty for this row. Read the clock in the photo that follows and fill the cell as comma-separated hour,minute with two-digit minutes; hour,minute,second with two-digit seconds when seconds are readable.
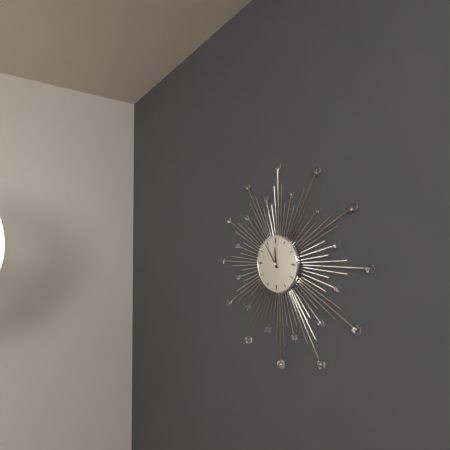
11,54
